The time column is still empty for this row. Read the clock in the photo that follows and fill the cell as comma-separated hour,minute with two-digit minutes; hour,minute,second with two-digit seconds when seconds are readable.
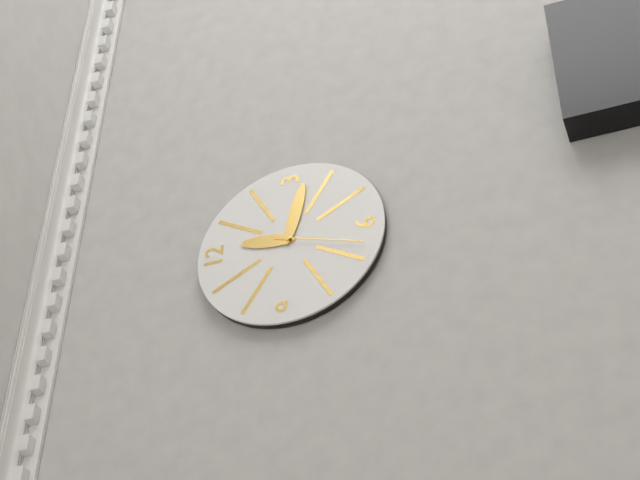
12,17,33
